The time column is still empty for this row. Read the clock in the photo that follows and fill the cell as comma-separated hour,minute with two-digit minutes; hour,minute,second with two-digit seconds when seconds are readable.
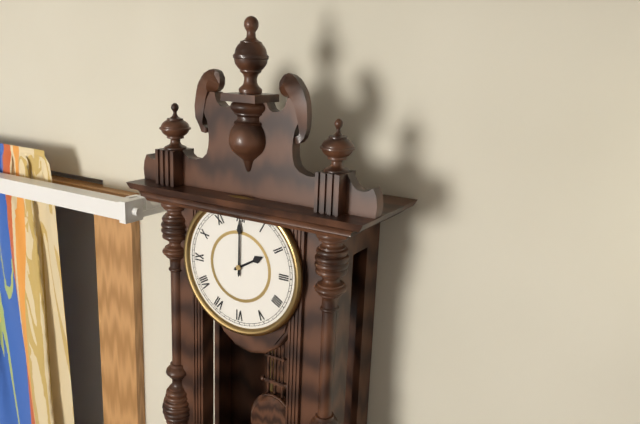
2,00
